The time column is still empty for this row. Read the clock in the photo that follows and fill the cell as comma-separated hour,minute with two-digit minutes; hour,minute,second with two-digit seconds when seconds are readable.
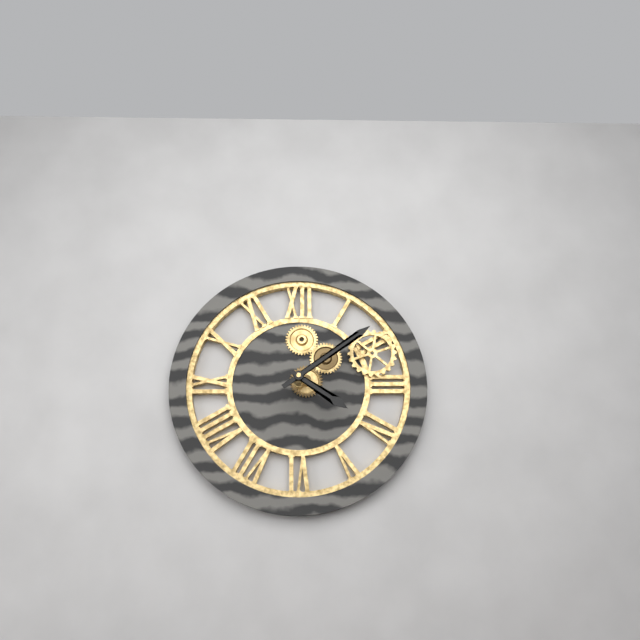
4,09
